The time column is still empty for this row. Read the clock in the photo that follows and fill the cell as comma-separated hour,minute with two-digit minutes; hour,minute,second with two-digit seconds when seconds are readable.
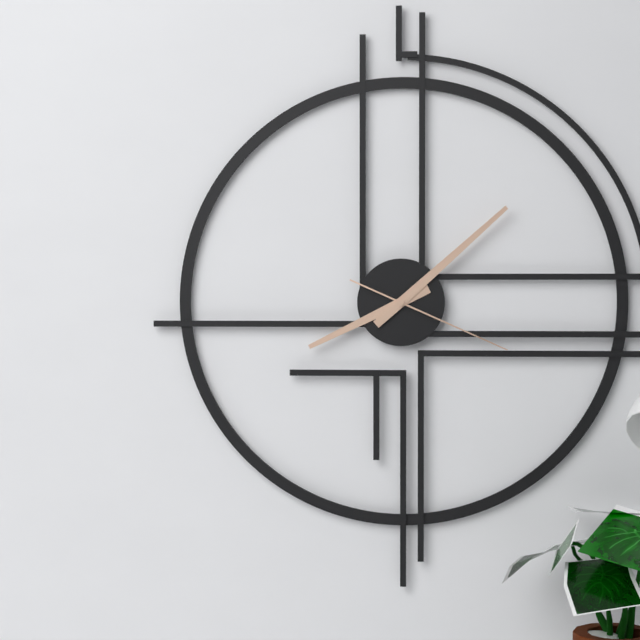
8,08,19
